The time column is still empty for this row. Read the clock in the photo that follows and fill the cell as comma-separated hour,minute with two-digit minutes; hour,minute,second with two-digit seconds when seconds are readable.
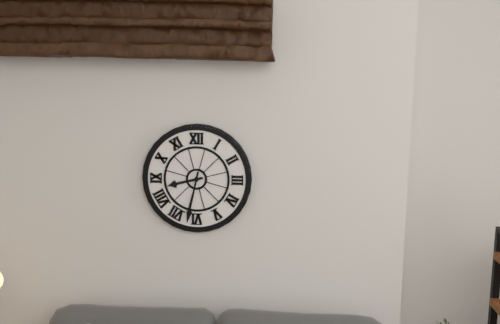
8,32
